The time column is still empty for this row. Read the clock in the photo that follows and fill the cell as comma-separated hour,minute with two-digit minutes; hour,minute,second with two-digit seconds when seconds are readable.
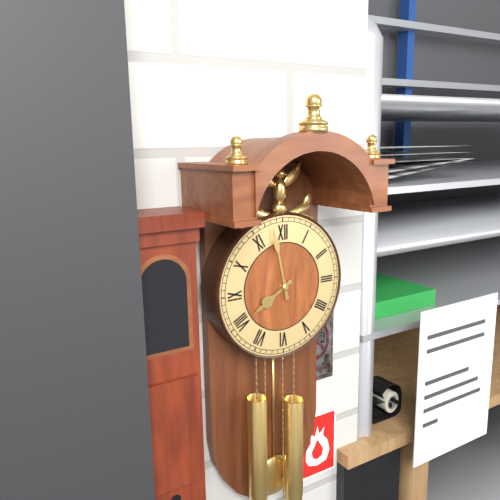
7,58
